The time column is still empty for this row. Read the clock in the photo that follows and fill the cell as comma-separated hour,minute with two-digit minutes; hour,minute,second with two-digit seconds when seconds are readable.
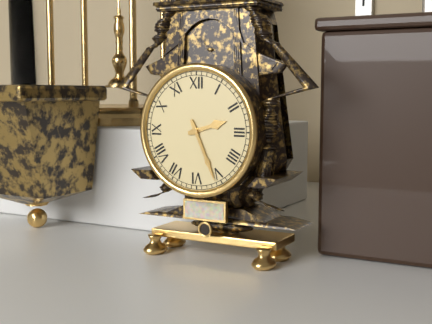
2,26
